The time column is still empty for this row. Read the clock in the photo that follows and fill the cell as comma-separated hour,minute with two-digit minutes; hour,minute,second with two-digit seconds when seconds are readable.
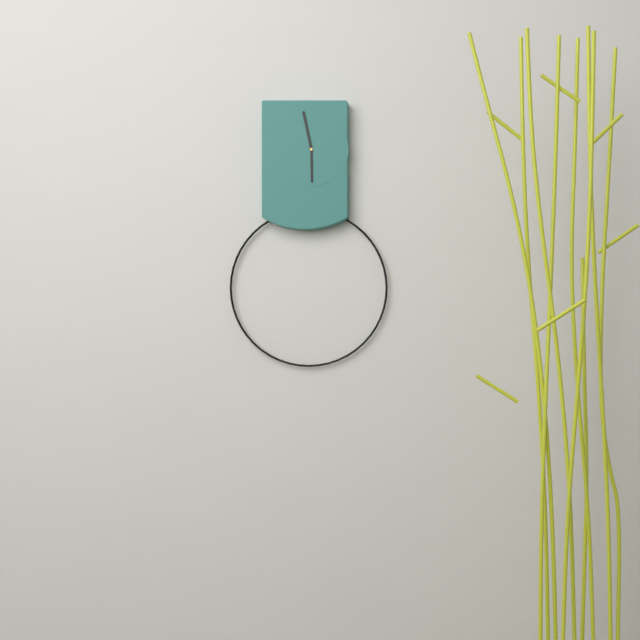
5,58
